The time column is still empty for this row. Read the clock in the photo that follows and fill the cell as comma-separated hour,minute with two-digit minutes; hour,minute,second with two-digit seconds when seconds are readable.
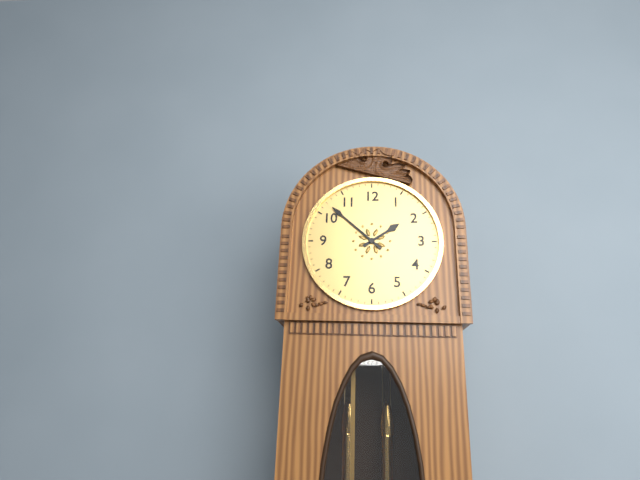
1,52
